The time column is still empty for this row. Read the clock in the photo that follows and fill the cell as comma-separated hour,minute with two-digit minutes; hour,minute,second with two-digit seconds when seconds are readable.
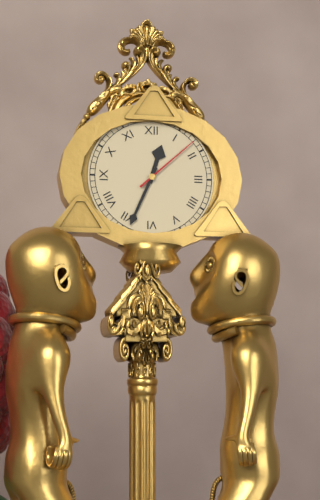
12,34,08
